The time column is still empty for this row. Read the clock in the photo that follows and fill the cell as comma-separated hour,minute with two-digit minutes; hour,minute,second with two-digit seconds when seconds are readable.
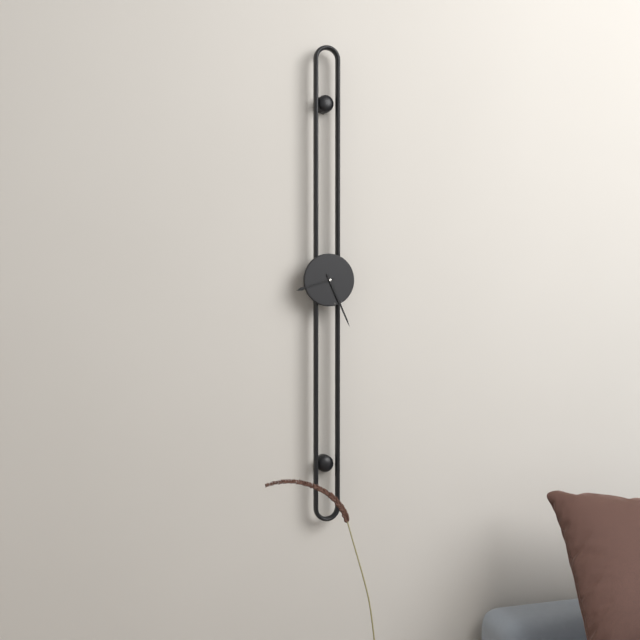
8,26
